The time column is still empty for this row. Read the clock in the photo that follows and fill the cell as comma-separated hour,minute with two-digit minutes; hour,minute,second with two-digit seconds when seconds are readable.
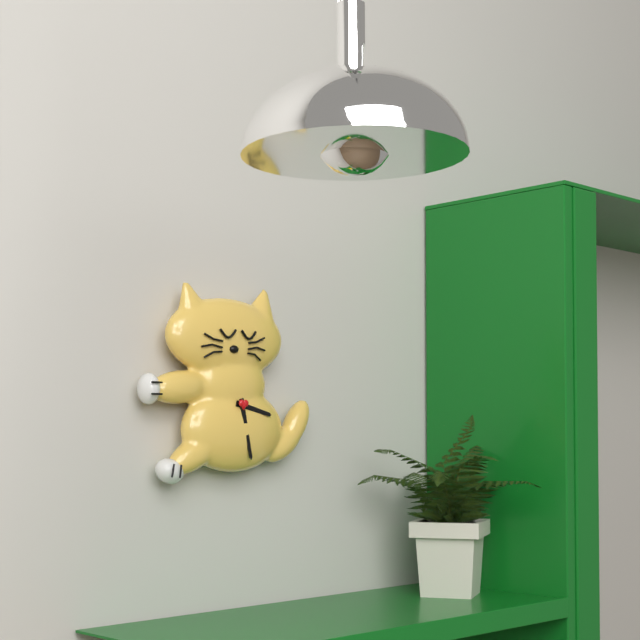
3,28
